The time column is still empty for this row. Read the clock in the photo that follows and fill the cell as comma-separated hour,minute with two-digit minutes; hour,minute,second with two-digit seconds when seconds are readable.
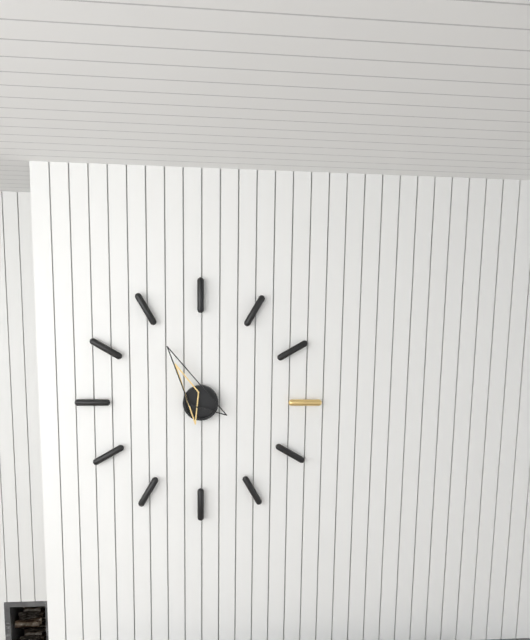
10,55
